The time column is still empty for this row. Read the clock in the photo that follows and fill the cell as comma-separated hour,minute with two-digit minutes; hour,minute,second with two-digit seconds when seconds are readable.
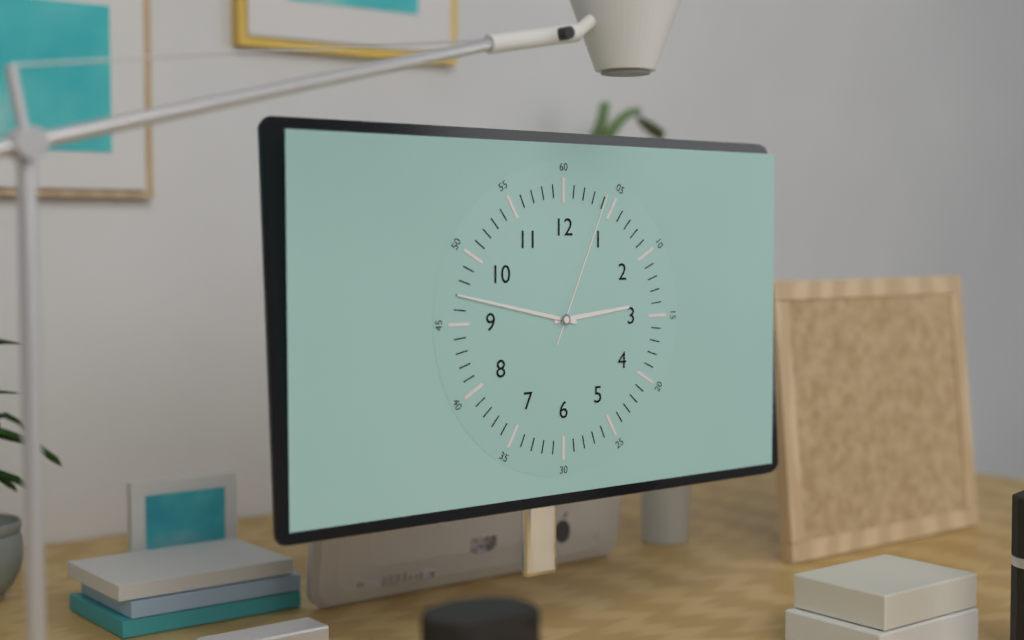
2,47,04
